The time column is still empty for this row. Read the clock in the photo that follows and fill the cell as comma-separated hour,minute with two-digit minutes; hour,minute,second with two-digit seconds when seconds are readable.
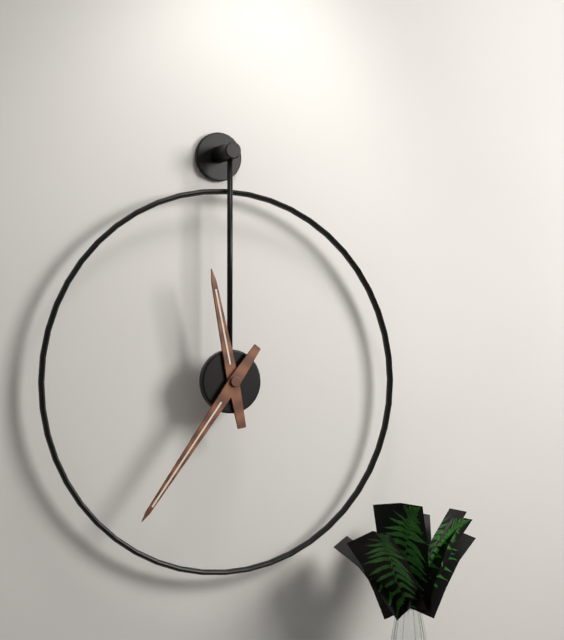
11,36
